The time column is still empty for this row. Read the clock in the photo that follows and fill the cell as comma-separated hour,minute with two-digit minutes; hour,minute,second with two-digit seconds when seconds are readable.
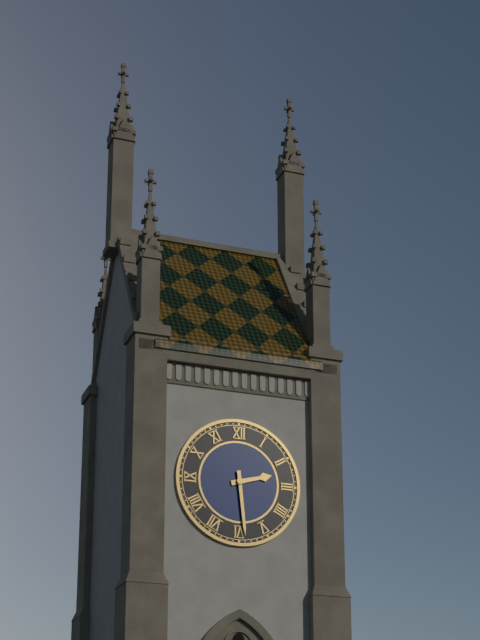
2,29
